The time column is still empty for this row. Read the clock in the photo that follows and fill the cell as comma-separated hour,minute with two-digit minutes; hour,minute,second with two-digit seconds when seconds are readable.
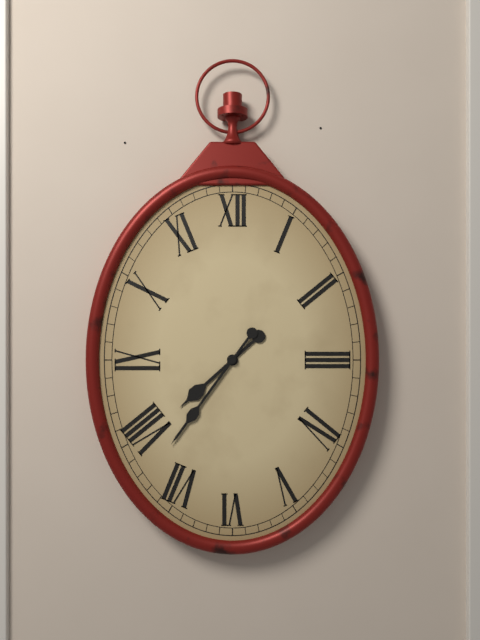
7,36
